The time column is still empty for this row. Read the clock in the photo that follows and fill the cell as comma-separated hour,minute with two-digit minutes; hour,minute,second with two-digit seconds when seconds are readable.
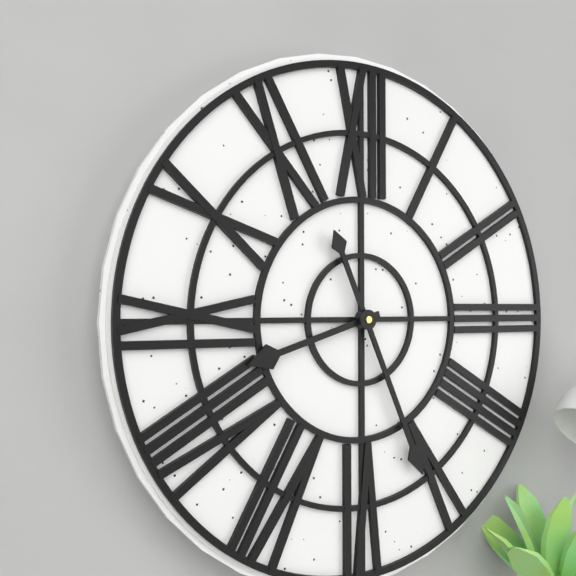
8,26
